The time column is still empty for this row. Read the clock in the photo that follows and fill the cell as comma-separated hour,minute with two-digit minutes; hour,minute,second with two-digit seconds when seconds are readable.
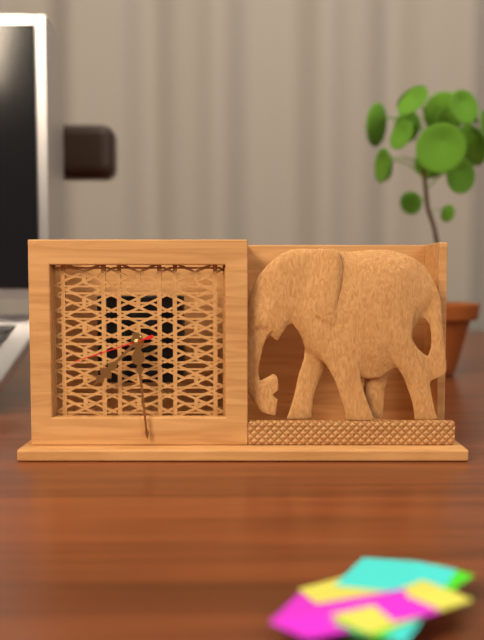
7,29,42
